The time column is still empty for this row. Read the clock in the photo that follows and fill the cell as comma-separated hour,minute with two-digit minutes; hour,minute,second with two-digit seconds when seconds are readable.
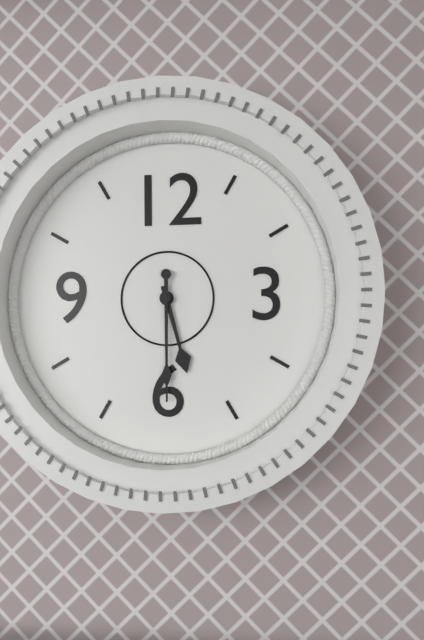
5,30
